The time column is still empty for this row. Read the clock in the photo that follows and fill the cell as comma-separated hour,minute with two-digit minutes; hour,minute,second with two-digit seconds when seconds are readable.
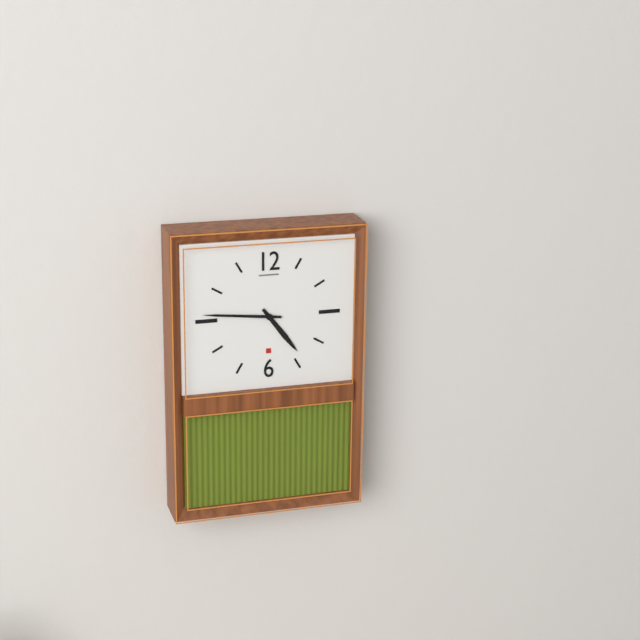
4,46
